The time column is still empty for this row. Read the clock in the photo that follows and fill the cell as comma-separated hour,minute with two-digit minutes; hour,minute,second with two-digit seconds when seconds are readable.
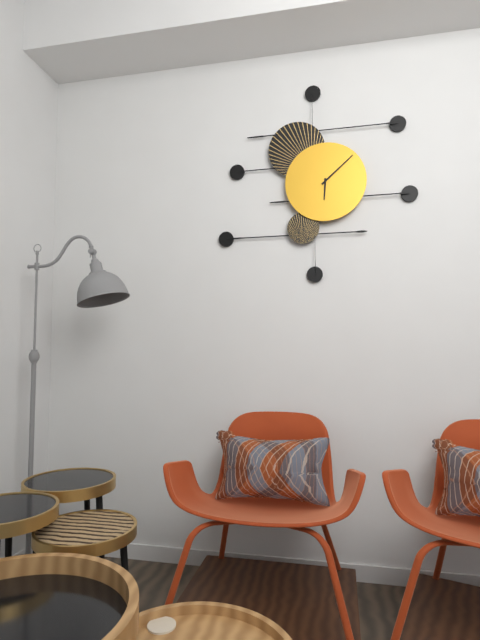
6,08
